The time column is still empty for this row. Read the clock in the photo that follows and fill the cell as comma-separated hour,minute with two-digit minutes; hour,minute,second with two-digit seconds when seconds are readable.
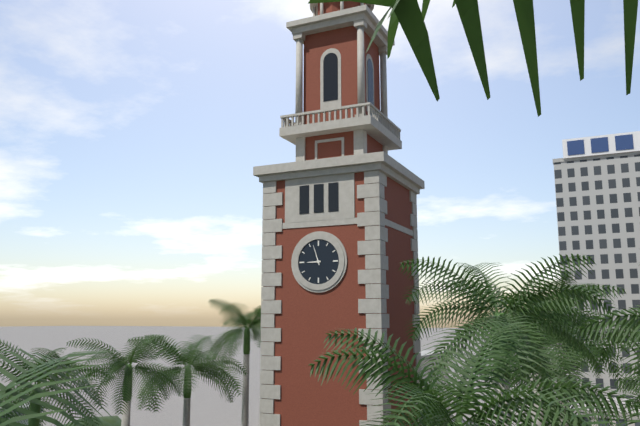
8,57
